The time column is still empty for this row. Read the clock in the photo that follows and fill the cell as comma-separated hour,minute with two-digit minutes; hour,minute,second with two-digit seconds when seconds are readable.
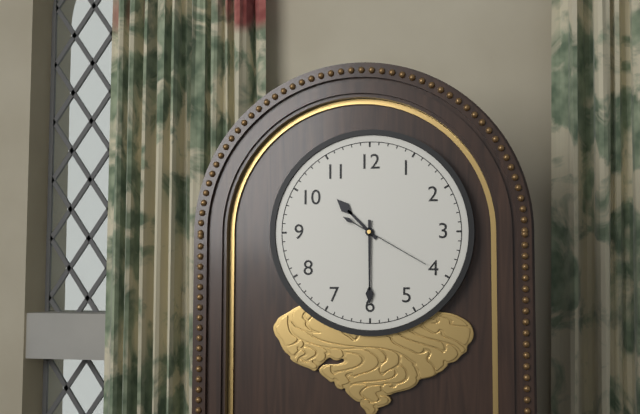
10,30,20
